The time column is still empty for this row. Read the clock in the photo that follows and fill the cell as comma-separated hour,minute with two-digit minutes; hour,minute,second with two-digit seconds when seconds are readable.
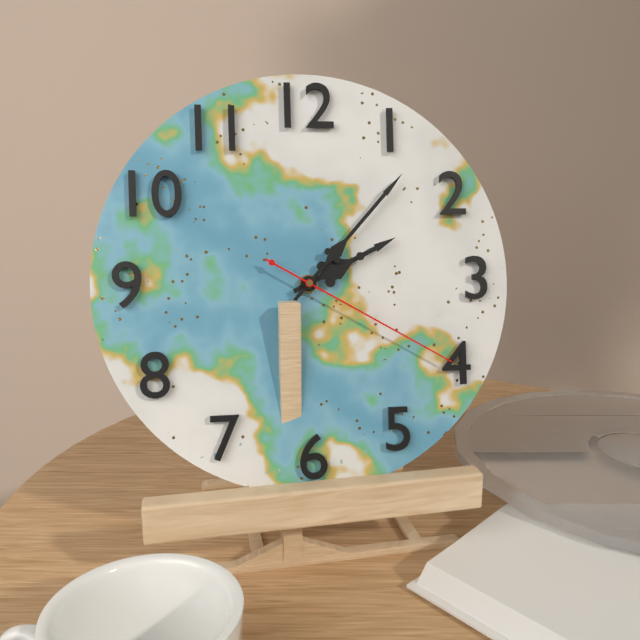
2,07,20
